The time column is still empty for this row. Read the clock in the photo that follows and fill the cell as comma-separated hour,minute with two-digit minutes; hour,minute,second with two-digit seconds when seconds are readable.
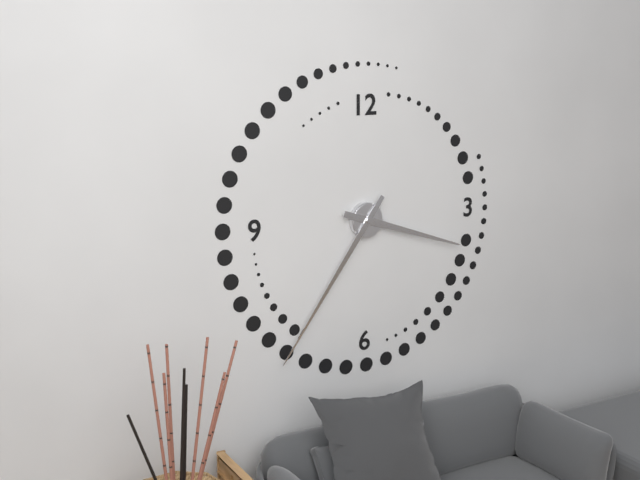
3,36
